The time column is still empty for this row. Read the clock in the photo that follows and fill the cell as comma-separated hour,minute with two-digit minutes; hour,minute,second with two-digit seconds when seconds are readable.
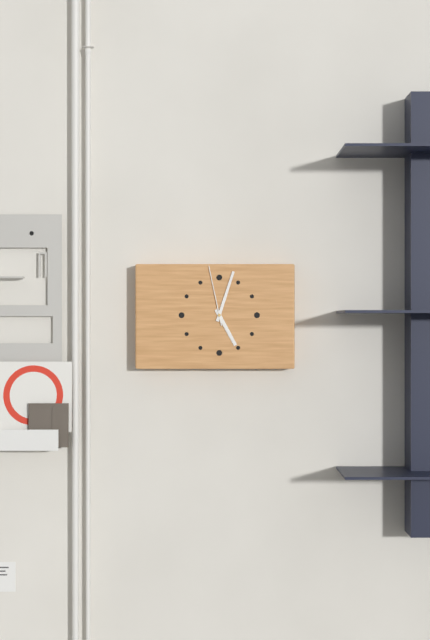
5,03,58
